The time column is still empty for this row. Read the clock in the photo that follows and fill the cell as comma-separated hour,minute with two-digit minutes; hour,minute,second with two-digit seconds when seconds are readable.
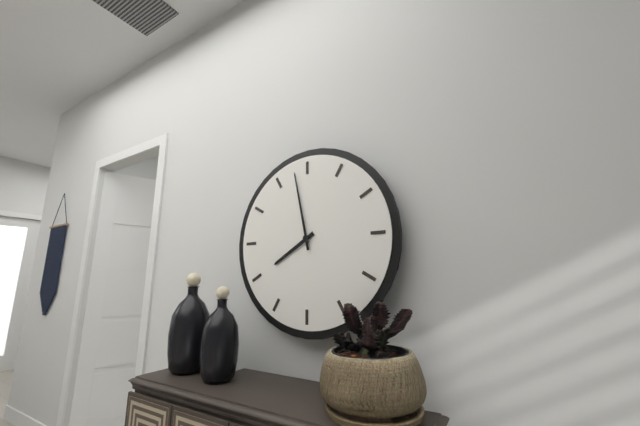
7,58
